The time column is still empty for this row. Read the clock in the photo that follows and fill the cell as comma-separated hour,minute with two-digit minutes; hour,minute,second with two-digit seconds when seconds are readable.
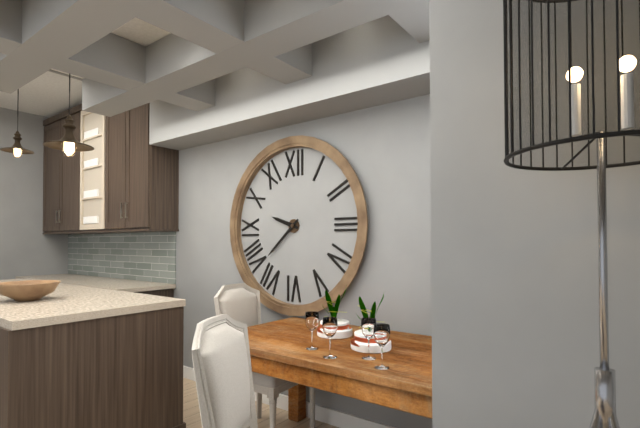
9,38
